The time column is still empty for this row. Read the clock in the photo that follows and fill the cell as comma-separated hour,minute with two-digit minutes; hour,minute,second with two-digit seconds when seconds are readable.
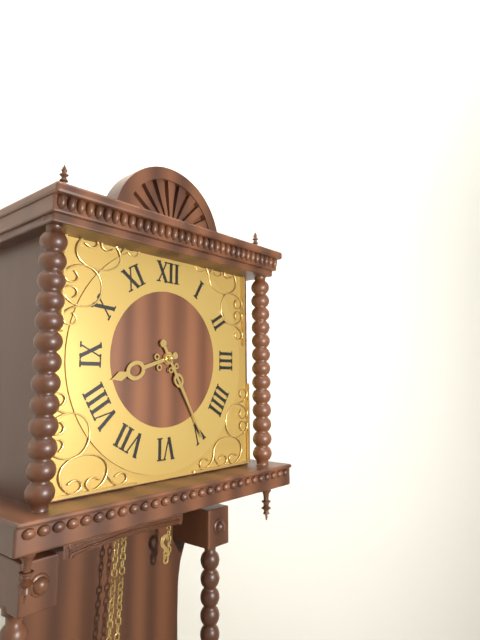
8,25
